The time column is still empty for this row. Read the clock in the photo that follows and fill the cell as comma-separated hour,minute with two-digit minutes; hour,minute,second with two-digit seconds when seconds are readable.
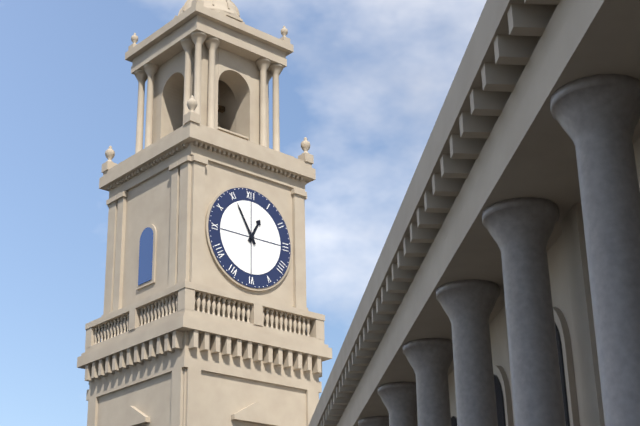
12,55
